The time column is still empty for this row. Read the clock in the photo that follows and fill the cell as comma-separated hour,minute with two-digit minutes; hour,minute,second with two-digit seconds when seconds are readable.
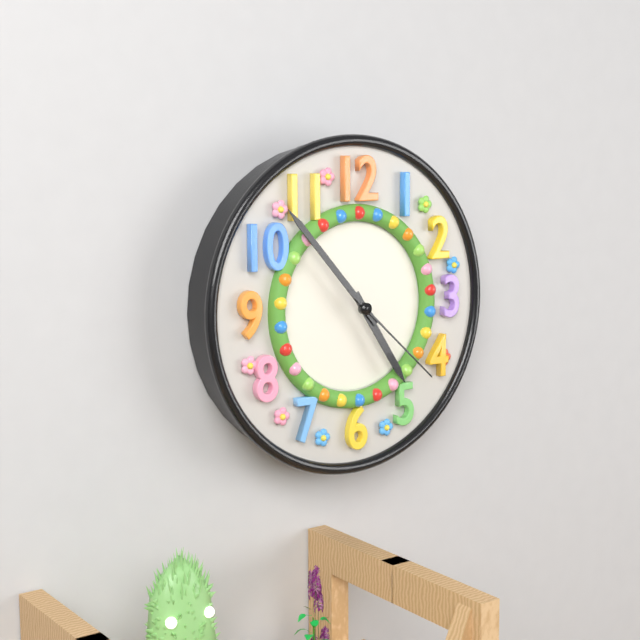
4,53,22
